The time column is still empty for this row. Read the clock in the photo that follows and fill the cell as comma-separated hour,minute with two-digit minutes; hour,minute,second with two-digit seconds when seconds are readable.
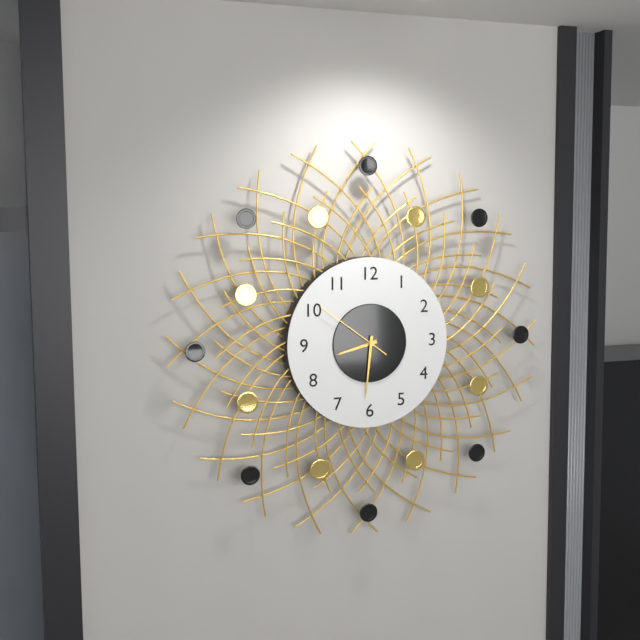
8,31,51
